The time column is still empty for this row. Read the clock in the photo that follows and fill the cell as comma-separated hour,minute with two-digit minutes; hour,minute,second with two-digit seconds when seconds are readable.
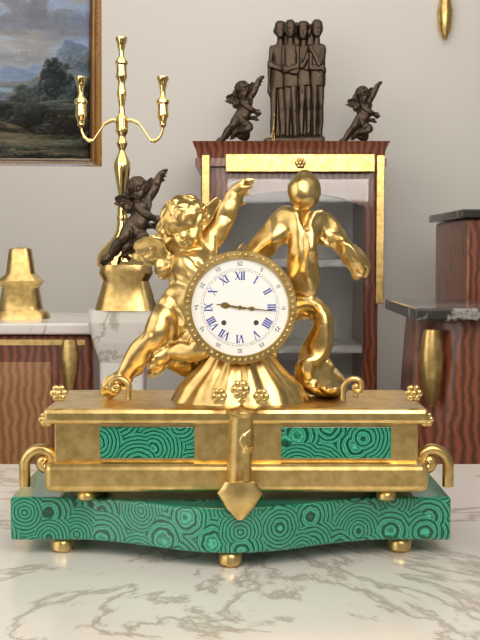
9,16
